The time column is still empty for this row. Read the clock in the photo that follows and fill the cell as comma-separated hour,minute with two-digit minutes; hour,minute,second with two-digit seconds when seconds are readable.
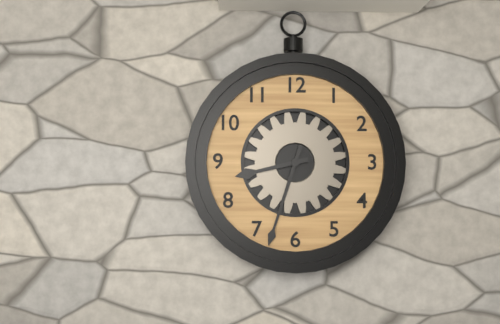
8,33
